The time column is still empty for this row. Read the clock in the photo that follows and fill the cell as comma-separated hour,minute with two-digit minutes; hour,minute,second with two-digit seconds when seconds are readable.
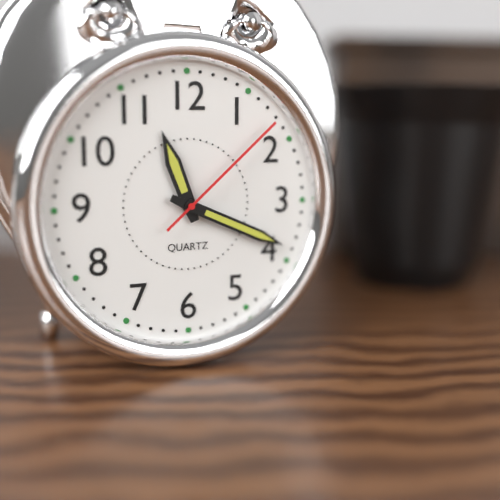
11,19,08
